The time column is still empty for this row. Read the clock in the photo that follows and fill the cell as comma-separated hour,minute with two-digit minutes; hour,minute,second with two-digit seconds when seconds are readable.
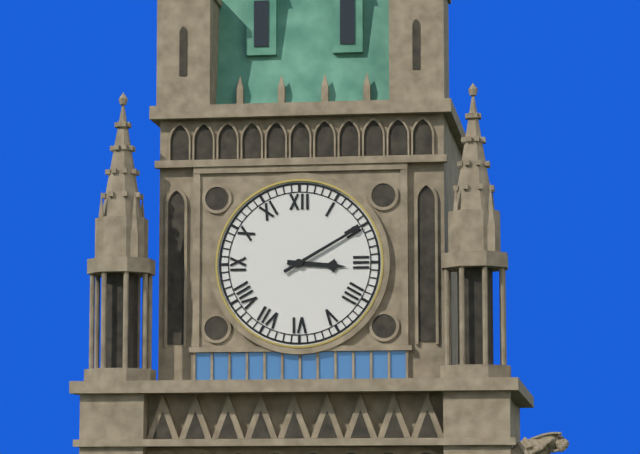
3,10
